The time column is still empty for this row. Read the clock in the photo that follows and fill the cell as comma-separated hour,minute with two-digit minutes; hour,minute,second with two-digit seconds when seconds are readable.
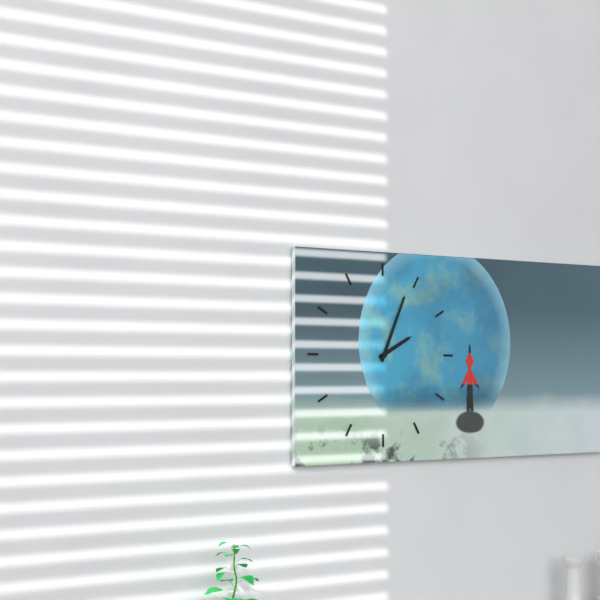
2,04
